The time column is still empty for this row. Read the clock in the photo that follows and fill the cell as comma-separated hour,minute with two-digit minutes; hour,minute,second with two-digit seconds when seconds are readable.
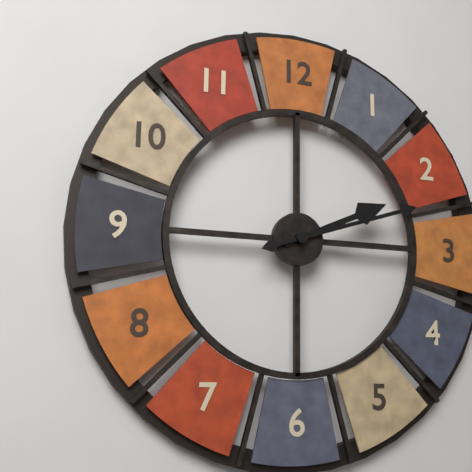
2,12
